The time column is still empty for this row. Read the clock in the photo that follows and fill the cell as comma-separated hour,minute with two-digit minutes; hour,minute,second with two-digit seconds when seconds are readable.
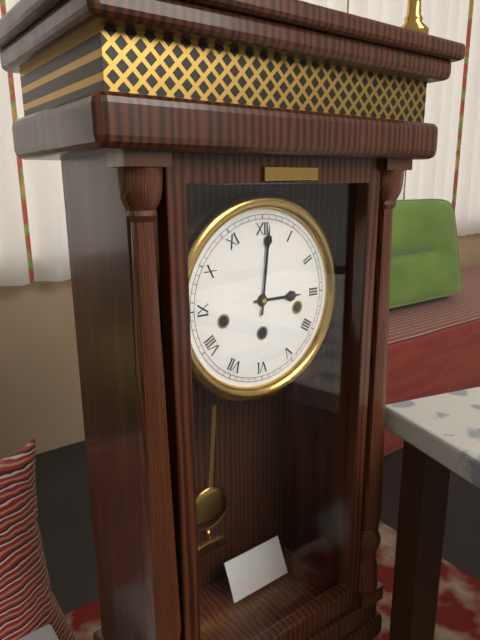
3,01
